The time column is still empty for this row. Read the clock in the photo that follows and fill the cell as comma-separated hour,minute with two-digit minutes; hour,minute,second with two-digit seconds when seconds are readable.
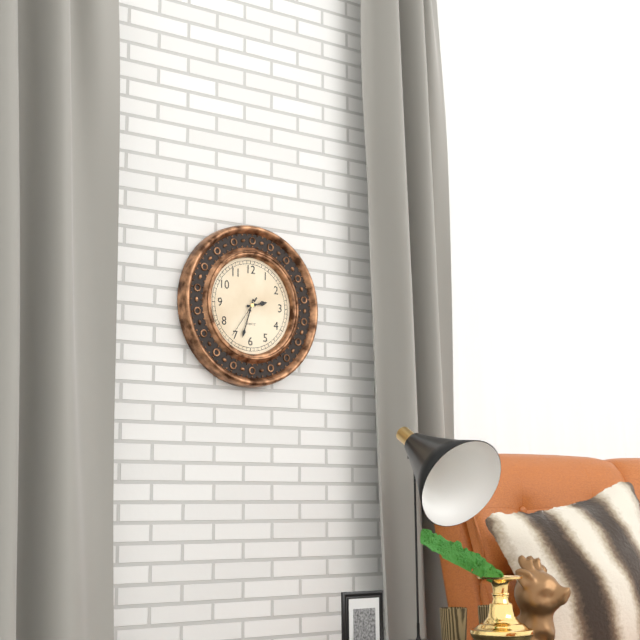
2,33
